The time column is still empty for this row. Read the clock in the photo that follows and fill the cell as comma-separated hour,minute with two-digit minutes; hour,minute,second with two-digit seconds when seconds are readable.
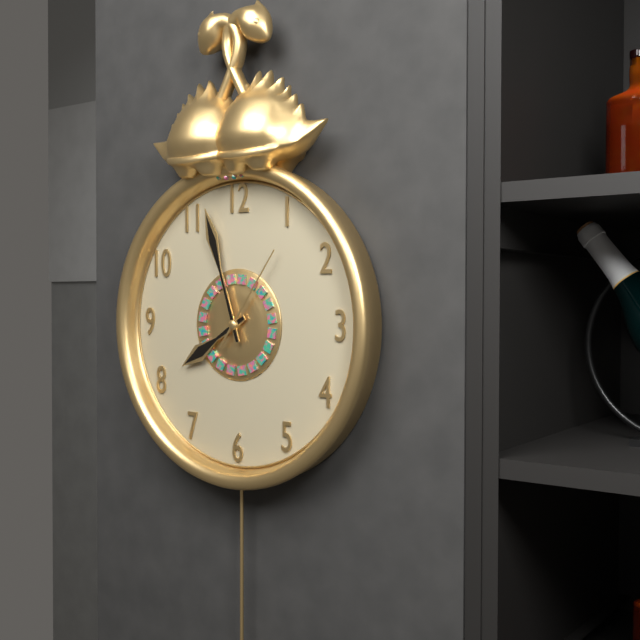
7,57,06
